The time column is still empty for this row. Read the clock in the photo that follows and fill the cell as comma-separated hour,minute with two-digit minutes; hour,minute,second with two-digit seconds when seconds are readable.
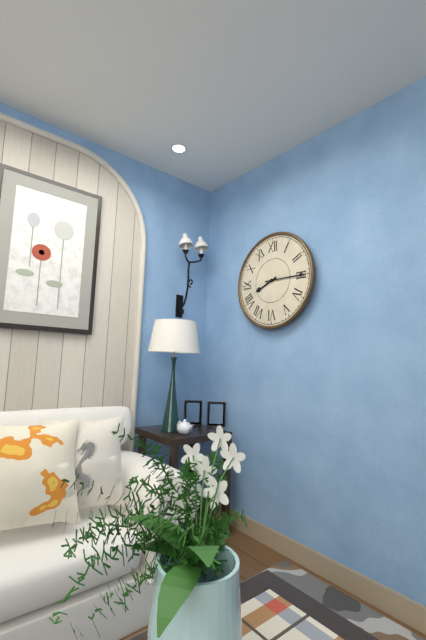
8,15
